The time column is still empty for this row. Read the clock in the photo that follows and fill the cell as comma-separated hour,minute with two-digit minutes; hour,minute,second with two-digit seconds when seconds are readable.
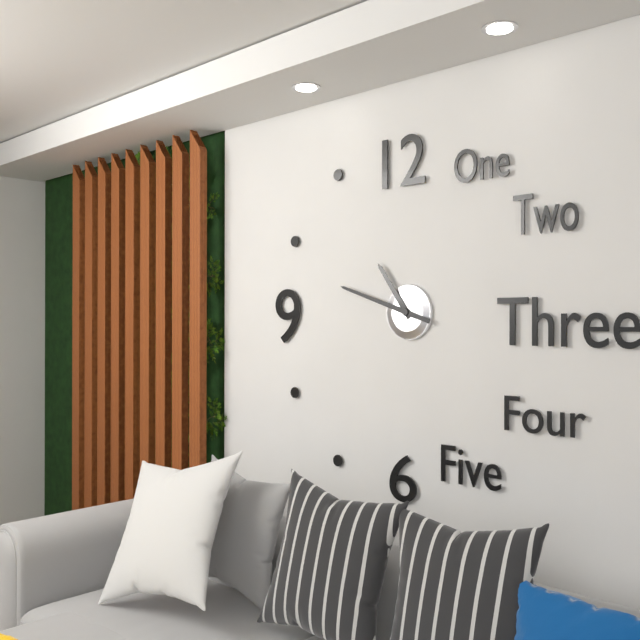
10,48
